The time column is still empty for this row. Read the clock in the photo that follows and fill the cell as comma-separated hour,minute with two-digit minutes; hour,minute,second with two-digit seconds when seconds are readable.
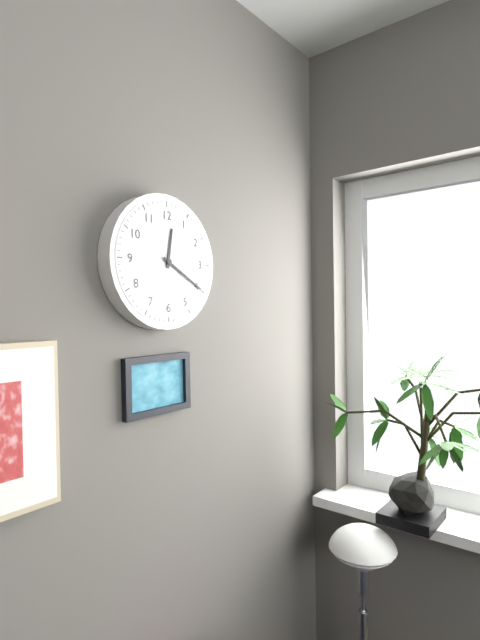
12,20
